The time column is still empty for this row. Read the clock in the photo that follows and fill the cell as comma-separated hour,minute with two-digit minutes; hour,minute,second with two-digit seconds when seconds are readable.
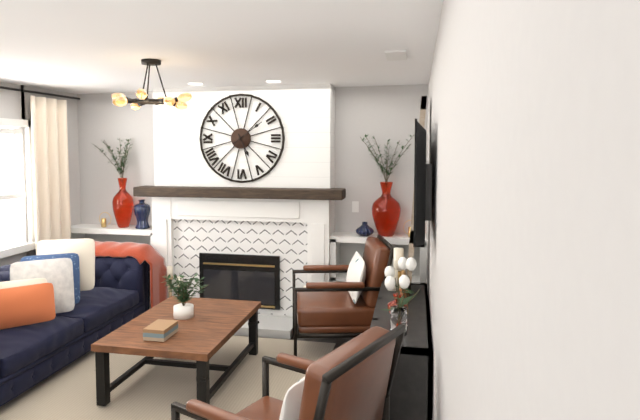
5,09
